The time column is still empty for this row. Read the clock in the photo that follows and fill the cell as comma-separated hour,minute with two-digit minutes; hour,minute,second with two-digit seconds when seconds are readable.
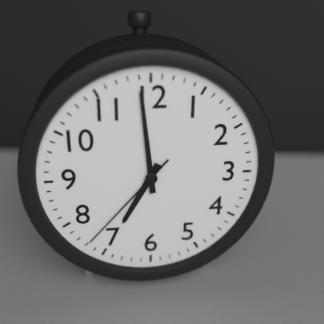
6,59,37
